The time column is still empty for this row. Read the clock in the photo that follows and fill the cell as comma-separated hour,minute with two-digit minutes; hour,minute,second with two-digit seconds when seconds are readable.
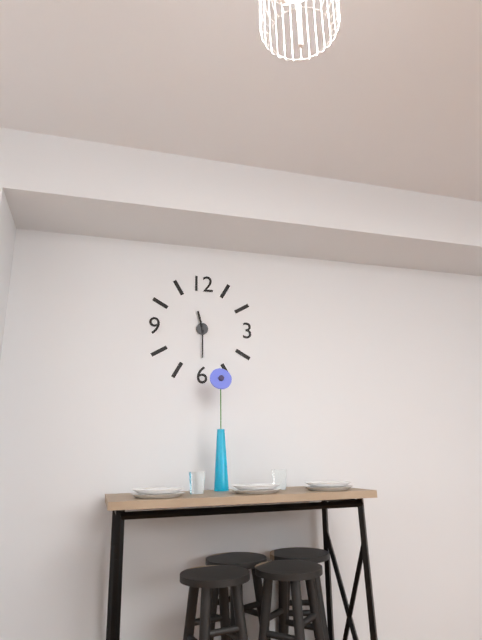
11,30
